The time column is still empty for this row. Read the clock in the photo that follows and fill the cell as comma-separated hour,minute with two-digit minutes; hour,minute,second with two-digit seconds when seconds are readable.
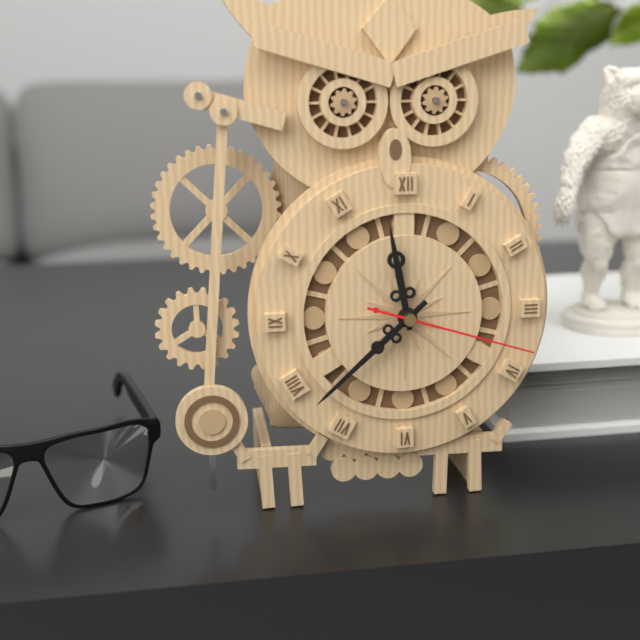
11,38,18
